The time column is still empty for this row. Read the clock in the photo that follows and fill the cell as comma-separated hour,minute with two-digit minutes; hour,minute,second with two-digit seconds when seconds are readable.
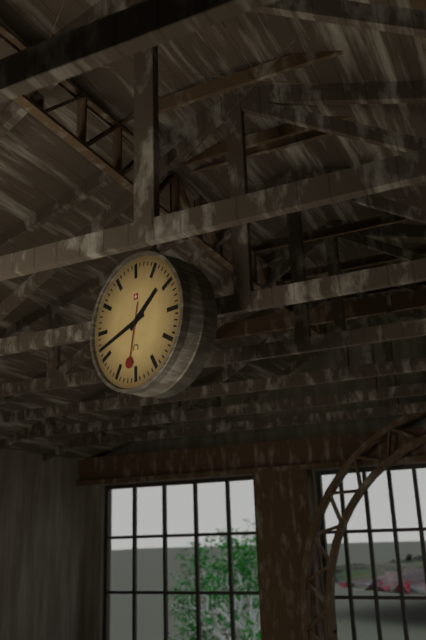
1,42,32
